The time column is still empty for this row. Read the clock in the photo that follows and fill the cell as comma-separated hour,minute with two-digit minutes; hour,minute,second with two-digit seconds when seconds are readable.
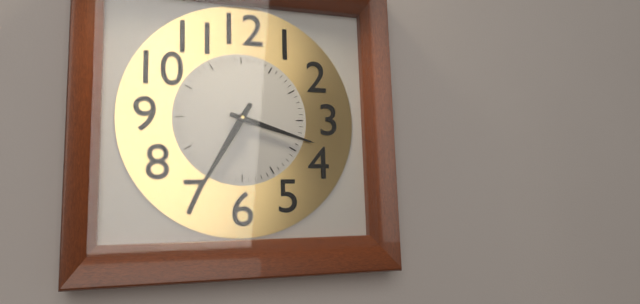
3,35
